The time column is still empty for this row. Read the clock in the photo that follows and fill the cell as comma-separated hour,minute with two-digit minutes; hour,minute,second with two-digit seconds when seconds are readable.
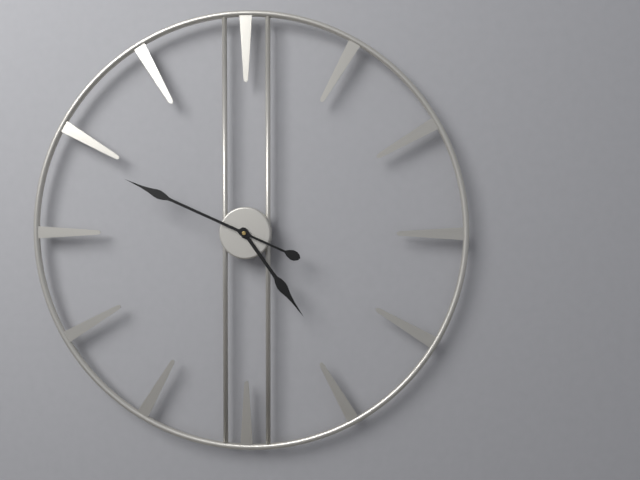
4,49
